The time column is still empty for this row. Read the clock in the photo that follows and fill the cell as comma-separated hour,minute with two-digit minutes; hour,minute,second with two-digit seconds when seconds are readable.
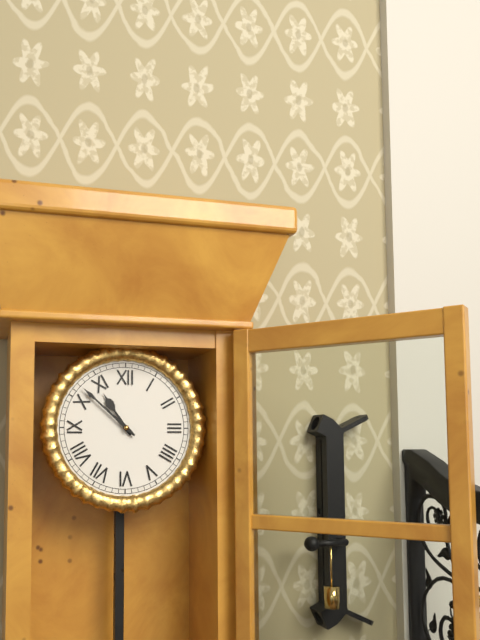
10,52
